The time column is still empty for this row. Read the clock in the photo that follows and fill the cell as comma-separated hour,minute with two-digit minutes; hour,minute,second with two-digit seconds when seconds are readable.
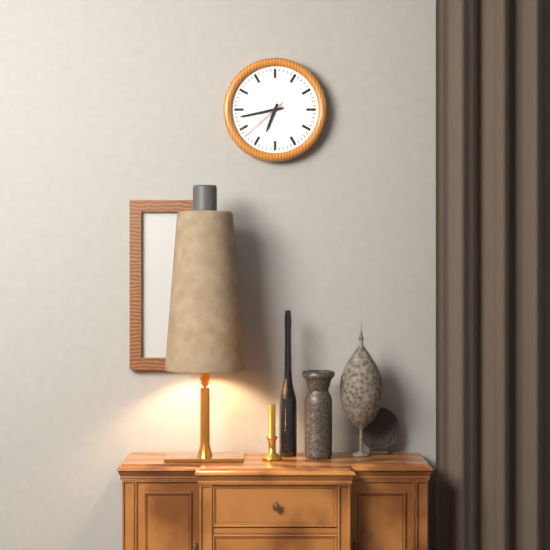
6,43
